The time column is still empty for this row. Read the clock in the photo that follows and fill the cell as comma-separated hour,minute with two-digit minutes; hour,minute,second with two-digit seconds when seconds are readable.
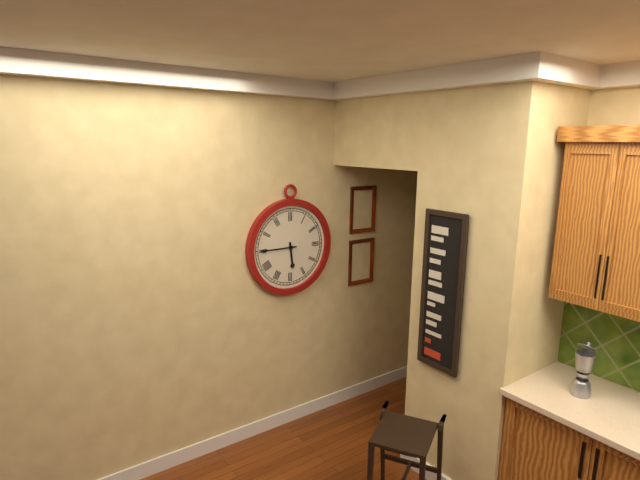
5,45
